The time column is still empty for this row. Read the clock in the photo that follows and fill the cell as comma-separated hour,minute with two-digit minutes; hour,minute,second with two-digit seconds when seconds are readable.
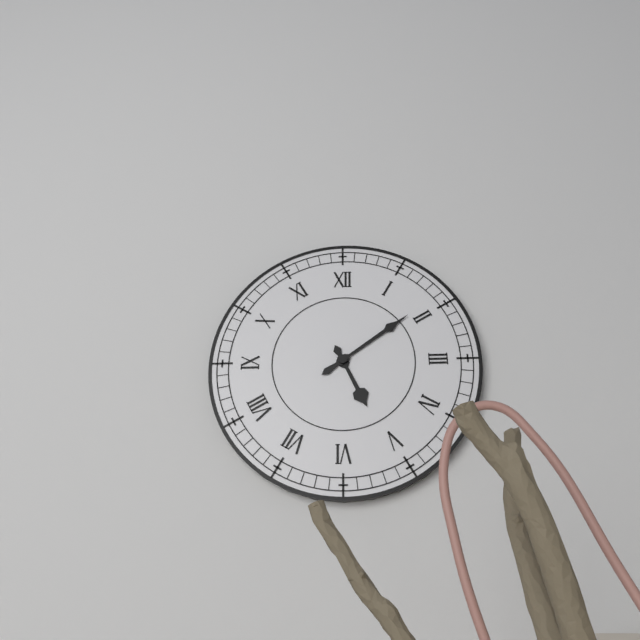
5,09
